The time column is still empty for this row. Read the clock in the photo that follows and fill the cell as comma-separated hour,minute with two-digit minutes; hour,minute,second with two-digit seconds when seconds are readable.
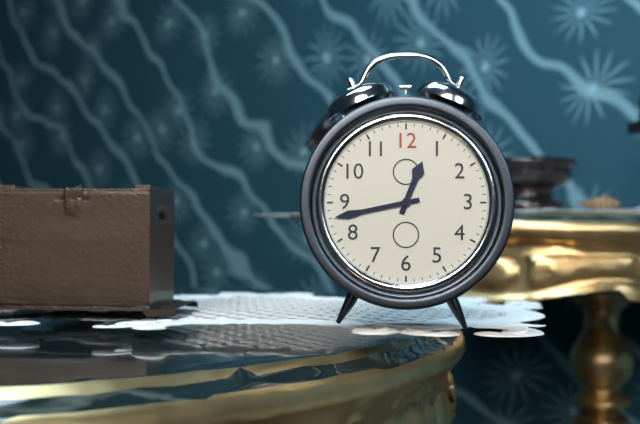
12,43
